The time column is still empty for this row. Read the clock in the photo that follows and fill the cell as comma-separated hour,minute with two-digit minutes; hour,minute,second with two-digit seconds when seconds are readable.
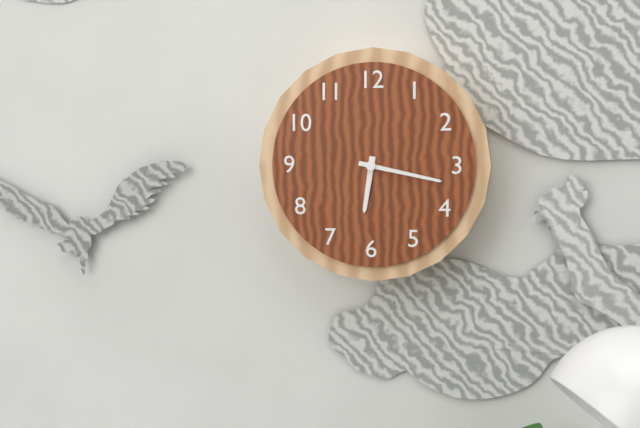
6,17
